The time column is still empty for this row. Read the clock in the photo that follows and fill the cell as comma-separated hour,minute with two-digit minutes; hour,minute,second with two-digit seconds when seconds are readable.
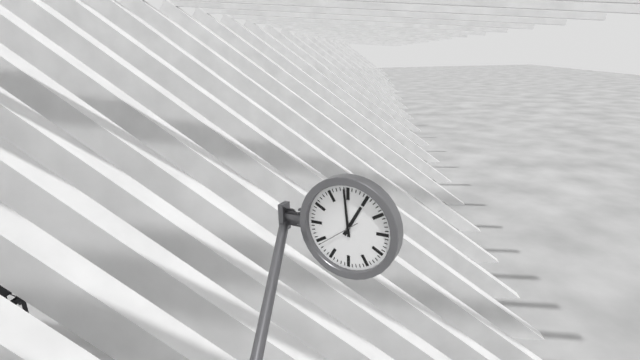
12,59
